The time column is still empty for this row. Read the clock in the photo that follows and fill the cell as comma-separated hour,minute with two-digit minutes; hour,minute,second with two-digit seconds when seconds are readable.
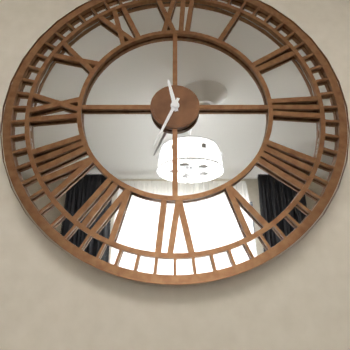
11,34
